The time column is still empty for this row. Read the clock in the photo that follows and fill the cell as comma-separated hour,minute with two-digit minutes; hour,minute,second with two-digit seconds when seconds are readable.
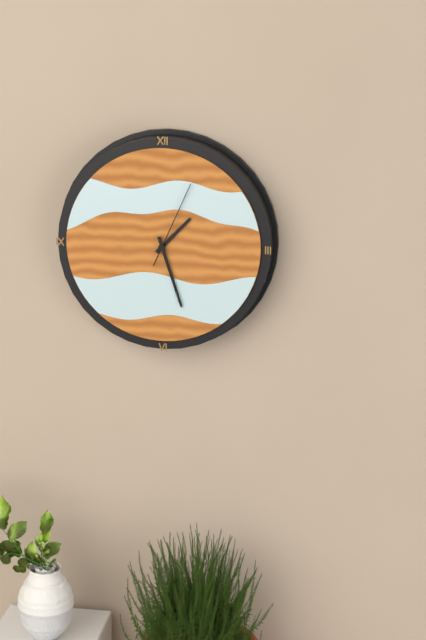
1,27,04
